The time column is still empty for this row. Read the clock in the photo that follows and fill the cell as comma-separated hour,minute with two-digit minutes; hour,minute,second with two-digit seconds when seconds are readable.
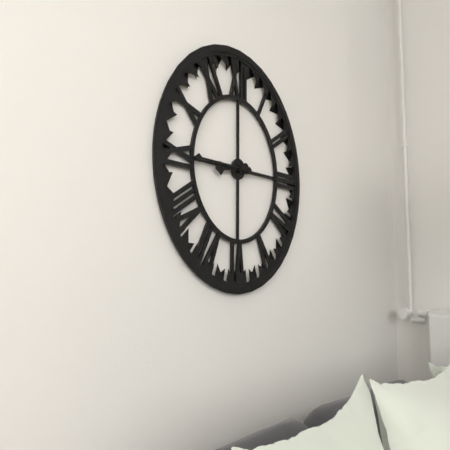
8,45
